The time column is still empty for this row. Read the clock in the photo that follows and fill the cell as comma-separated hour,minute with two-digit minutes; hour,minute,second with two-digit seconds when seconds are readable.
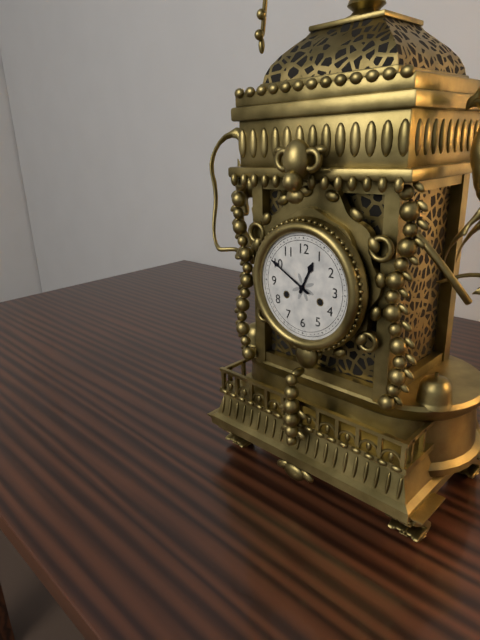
12,50
